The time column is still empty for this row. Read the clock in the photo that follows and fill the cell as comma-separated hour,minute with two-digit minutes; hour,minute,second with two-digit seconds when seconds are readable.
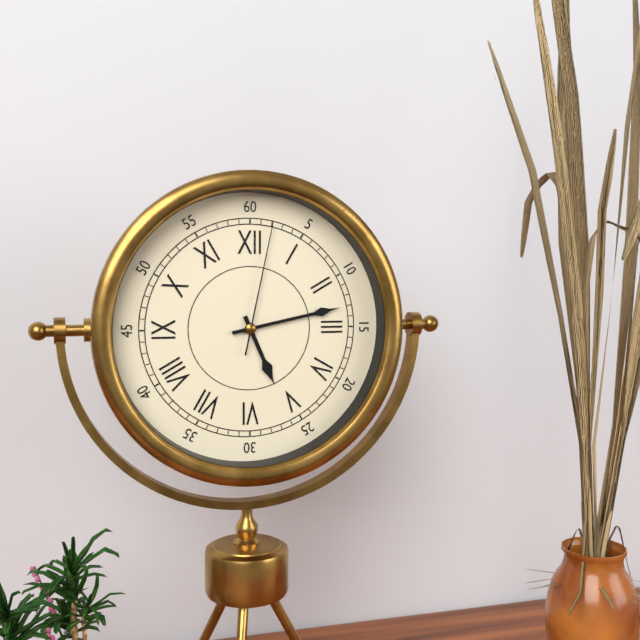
5,13,02
